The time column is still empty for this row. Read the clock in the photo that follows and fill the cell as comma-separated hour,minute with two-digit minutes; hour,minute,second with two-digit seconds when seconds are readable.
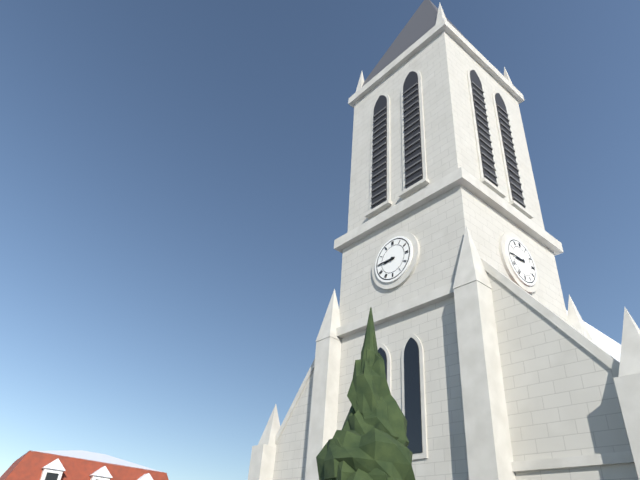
8,45
